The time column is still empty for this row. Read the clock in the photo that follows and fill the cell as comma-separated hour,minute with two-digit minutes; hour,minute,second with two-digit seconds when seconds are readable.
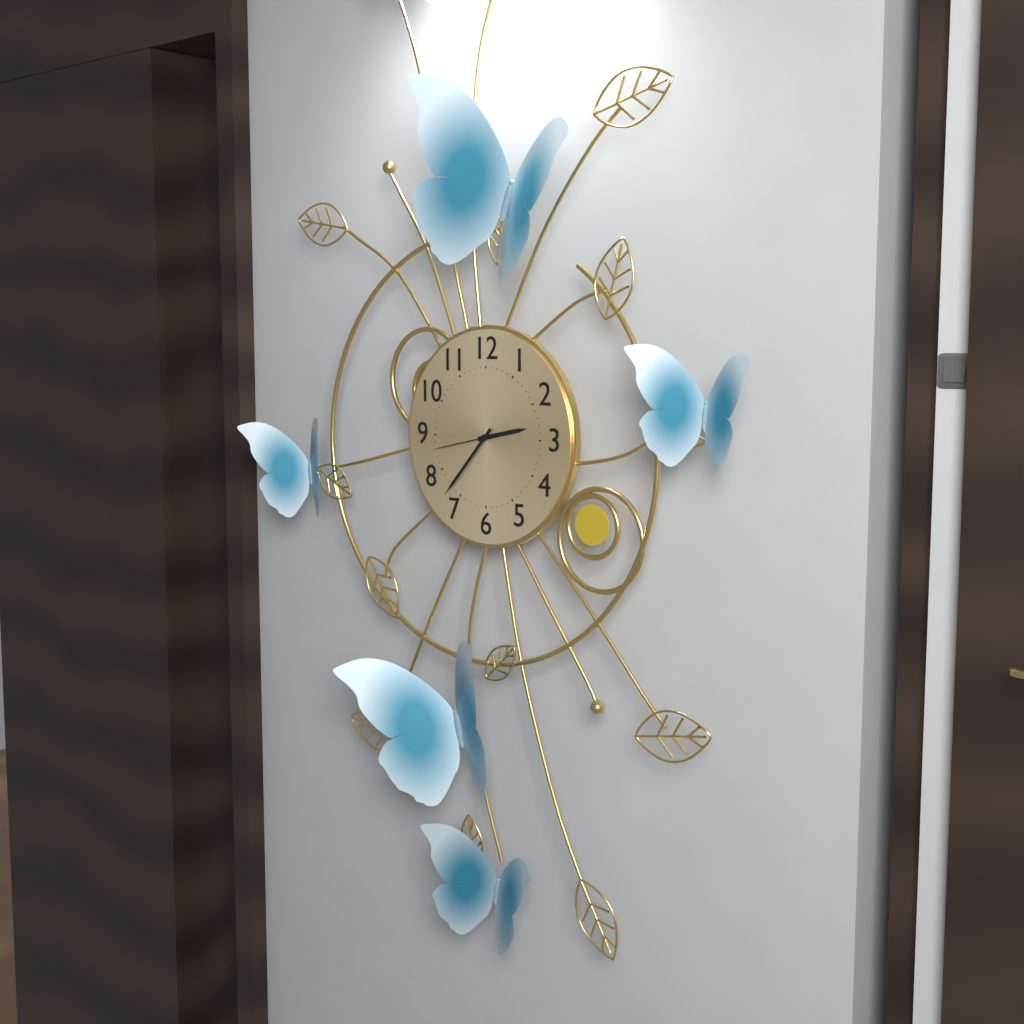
2,37,43
